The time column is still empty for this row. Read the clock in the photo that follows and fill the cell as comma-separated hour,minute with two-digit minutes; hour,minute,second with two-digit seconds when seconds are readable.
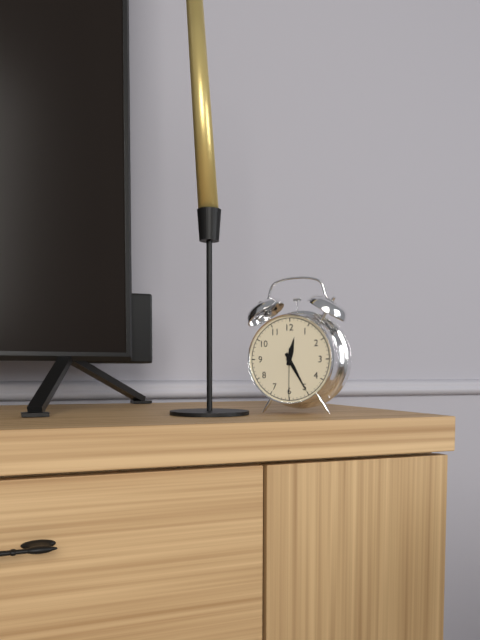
12,25
